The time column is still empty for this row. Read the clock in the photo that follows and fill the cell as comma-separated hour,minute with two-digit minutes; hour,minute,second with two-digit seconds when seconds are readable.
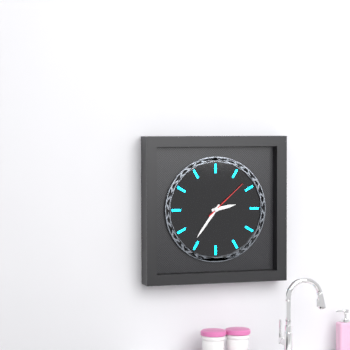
2,36
